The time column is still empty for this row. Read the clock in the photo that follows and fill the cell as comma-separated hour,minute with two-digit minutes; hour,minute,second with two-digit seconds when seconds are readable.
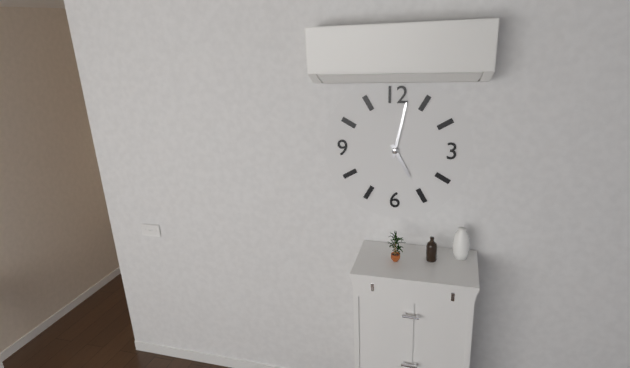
5,02
